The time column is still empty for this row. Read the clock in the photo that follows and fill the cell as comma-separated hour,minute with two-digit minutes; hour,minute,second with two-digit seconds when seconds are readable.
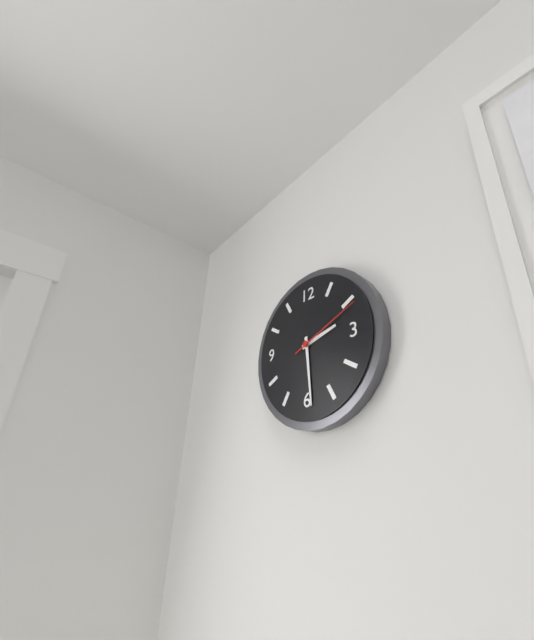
2,29,11
